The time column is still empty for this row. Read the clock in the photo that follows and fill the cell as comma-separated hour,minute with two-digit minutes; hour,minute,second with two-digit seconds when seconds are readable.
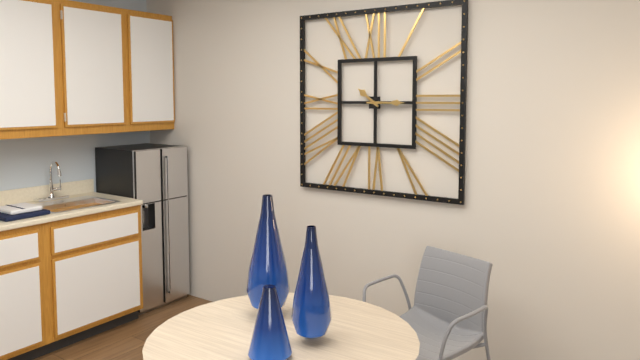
10,15
